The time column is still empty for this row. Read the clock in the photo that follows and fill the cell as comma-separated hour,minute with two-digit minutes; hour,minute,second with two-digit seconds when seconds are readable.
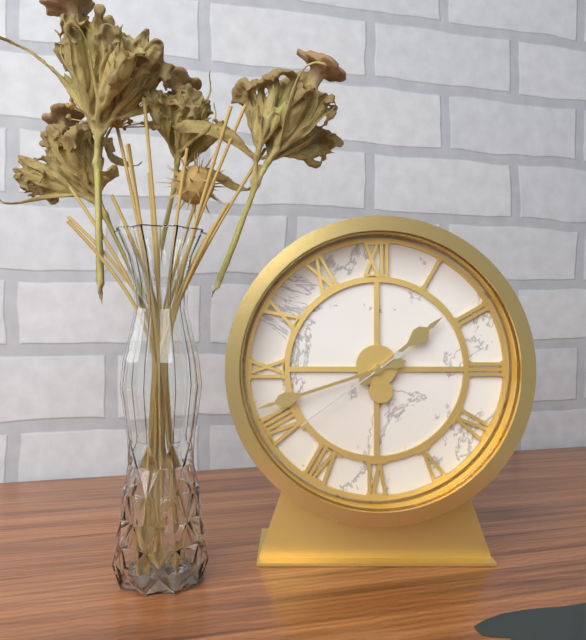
1,42,39
